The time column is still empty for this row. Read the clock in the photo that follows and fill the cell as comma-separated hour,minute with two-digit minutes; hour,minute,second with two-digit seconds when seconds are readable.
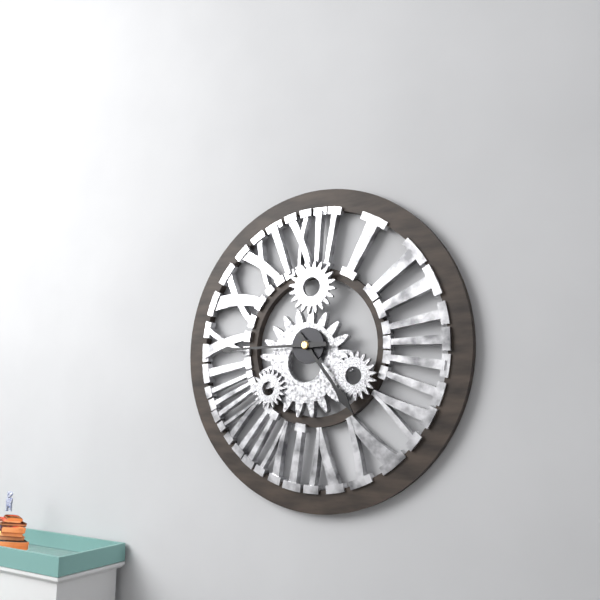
4,45
